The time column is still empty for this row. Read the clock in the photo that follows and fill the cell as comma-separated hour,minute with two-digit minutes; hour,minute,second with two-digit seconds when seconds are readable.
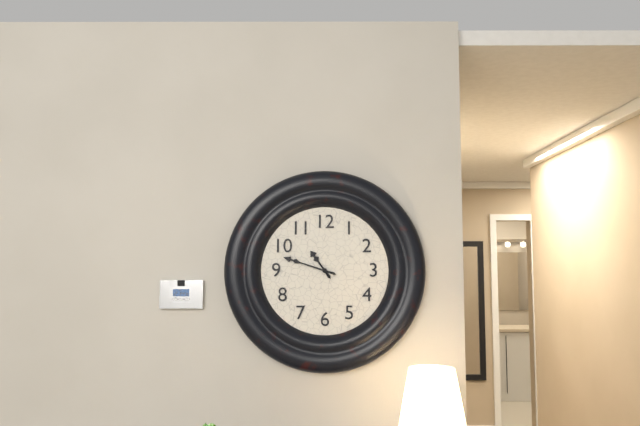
10,48
